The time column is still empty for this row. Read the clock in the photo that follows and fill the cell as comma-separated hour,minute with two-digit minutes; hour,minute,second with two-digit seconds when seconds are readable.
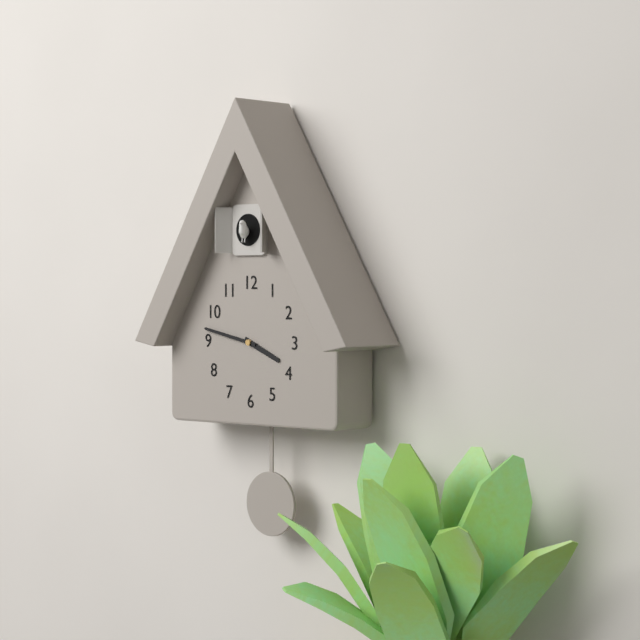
3,47
